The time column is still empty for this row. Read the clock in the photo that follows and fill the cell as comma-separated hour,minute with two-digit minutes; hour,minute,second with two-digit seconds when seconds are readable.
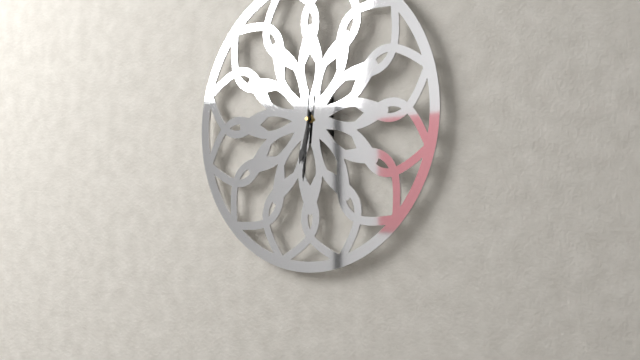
6,31,31
